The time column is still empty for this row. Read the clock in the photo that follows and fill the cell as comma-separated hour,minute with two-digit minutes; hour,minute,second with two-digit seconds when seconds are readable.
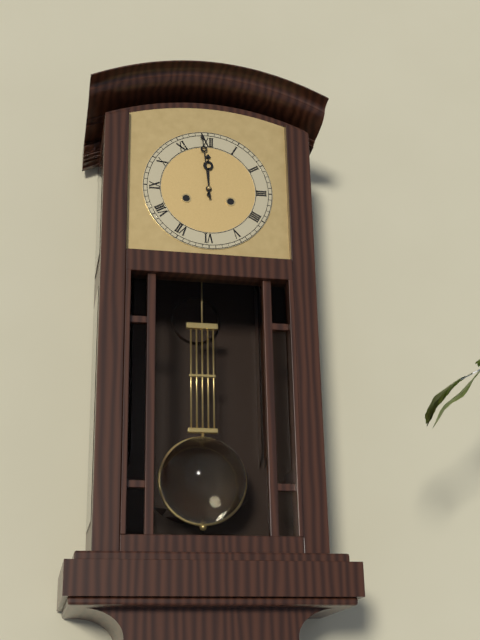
11,59
